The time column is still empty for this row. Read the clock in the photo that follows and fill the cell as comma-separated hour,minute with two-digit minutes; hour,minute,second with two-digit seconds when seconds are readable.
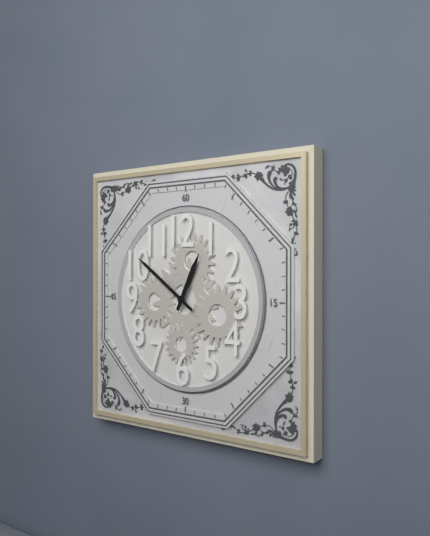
12,51
